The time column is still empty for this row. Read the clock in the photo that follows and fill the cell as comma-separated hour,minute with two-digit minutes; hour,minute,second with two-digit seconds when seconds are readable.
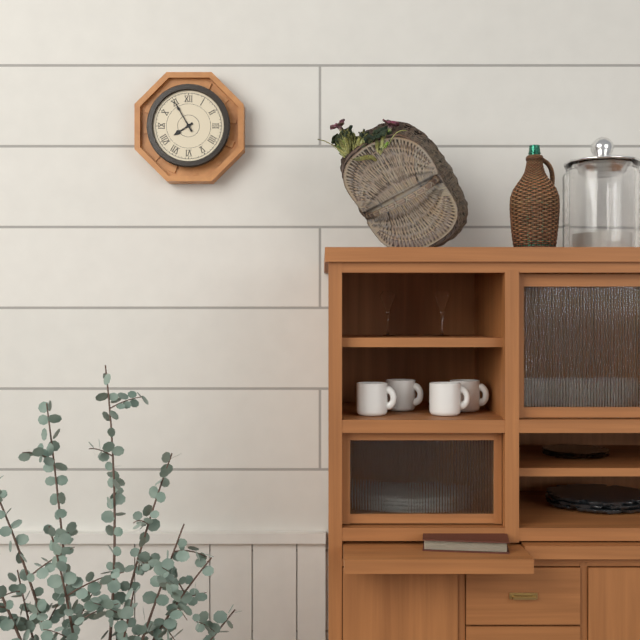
7,55
